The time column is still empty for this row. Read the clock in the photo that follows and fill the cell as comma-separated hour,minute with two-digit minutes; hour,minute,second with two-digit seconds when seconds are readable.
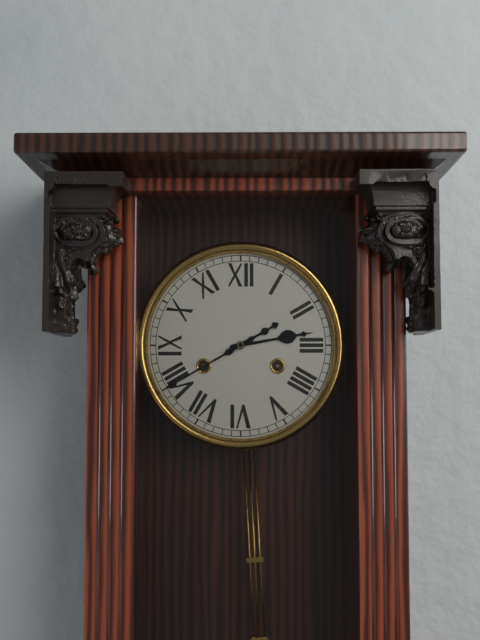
2,40
